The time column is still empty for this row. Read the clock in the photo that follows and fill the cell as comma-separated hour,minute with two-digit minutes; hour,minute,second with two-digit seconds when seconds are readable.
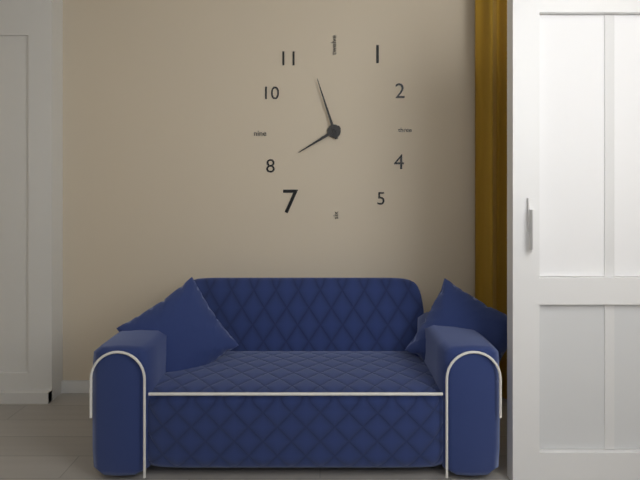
7,57
